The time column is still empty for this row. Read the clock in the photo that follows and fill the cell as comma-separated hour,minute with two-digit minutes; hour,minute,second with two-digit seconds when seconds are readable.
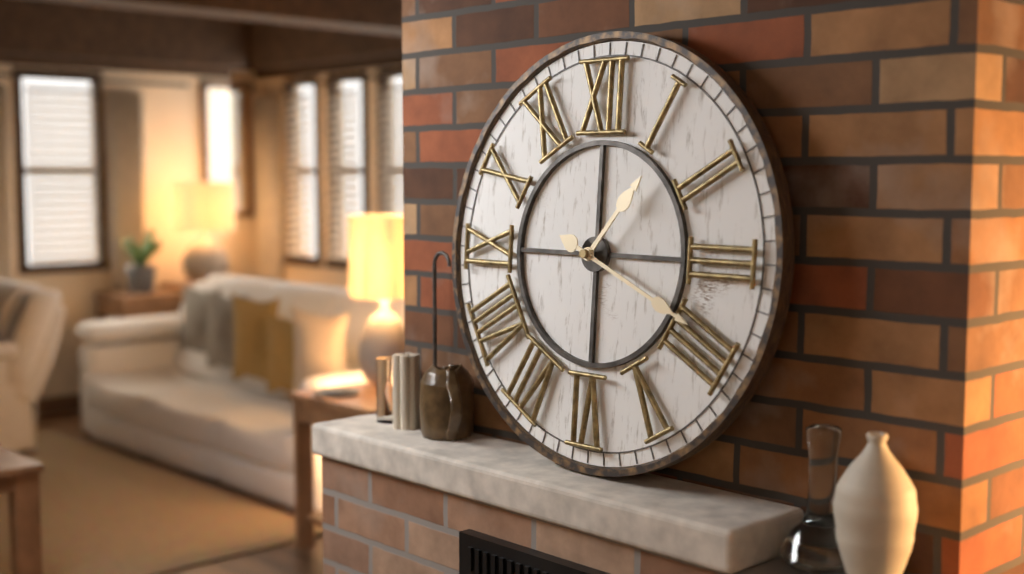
1,19
